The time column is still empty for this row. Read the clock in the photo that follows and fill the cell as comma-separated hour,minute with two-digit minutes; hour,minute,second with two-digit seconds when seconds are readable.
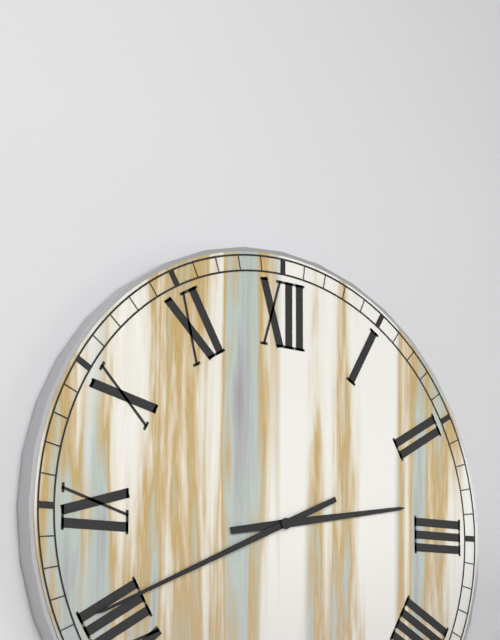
2,41
